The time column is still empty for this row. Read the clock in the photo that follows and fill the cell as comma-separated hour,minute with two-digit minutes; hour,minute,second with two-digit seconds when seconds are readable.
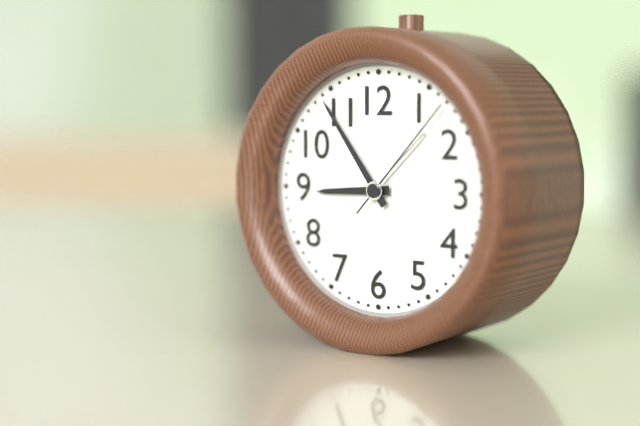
8,54,07
